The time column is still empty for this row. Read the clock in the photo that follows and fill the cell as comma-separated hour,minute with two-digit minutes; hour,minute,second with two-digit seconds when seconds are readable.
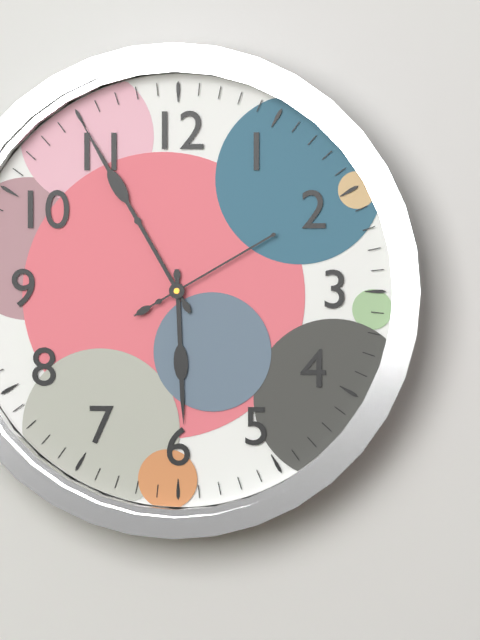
5,55,10
